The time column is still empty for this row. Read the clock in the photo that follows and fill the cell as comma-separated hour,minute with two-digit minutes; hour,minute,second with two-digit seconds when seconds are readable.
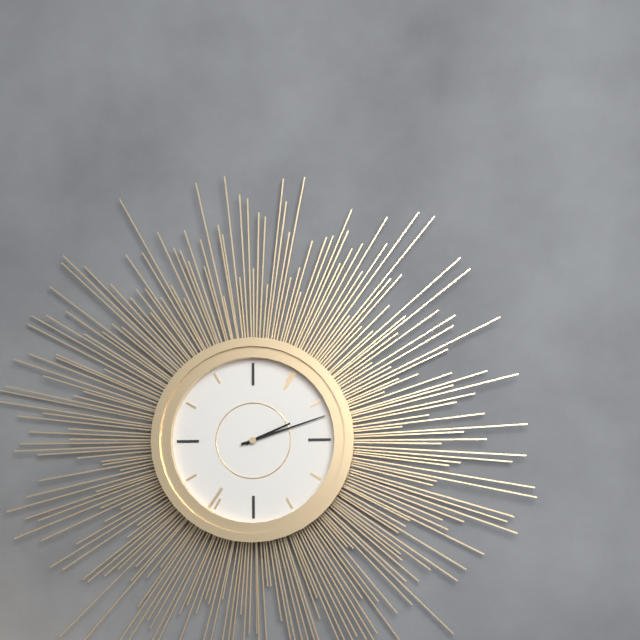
2,12
